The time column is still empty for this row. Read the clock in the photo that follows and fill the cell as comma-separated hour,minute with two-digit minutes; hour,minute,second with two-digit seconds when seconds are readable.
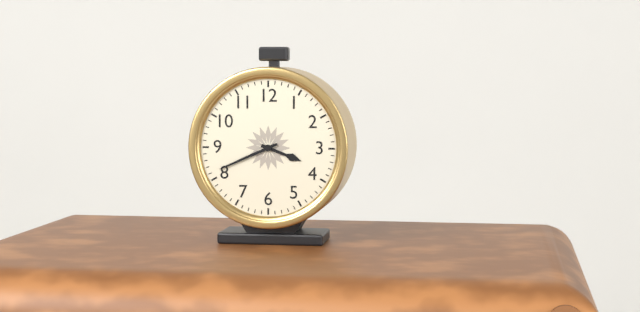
3,41
